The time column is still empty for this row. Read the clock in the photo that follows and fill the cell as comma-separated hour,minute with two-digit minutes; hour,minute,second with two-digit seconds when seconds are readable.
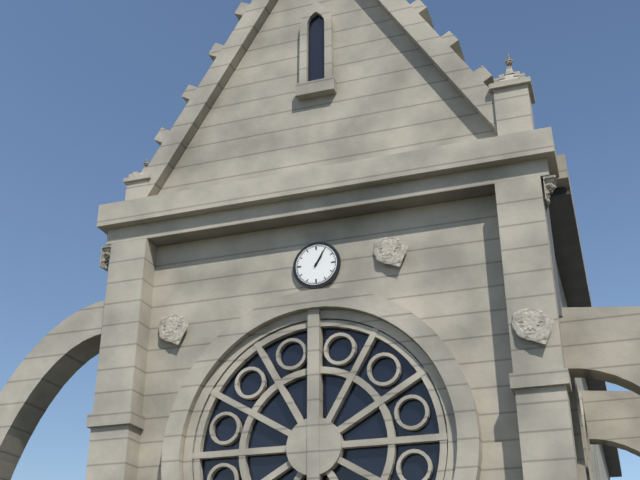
1,05
